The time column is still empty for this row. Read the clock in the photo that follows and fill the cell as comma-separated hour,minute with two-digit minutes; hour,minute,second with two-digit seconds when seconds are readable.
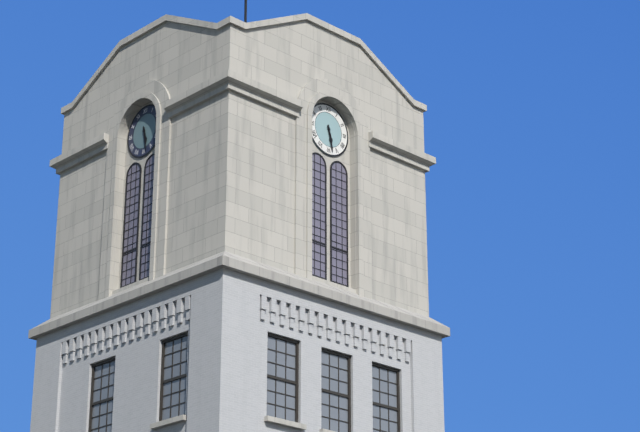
5,28
